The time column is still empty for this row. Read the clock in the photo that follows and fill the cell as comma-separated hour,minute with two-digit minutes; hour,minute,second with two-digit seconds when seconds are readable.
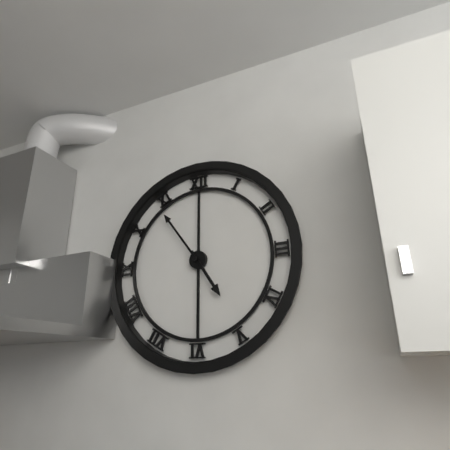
4,54
